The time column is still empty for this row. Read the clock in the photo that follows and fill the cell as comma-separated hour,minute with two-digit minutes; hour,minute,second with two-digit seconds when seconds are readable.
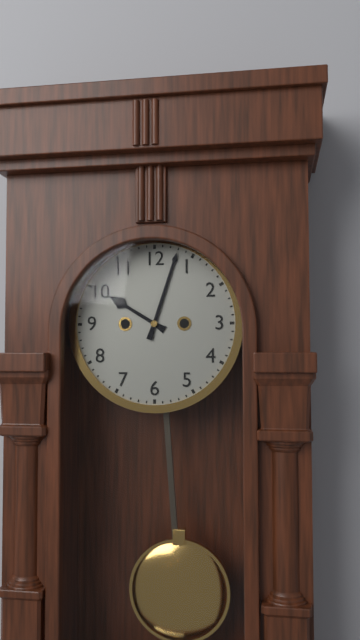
10,03
